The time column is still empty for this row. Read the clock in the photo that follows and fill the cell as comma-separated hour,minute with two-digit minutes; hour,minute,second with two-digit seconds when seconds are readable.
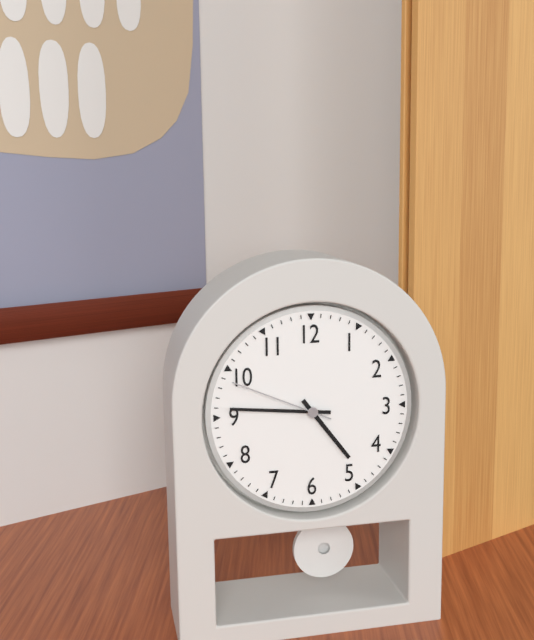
4,46,49
